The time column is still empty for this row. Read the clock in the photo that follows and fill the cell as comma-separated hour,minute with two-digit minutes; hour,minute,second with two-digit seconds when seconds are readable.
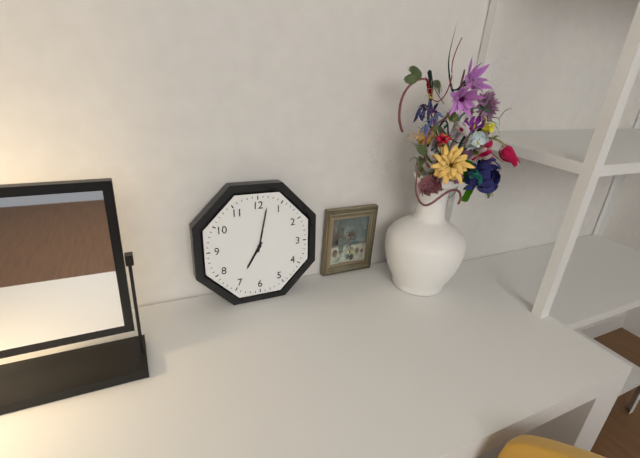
7,02
